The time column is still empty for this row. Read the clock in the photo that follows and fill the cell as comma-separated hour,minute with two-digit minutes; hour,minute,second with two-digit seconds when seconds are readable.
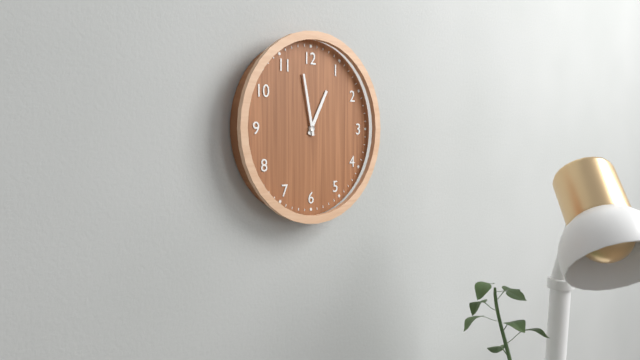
12,58
